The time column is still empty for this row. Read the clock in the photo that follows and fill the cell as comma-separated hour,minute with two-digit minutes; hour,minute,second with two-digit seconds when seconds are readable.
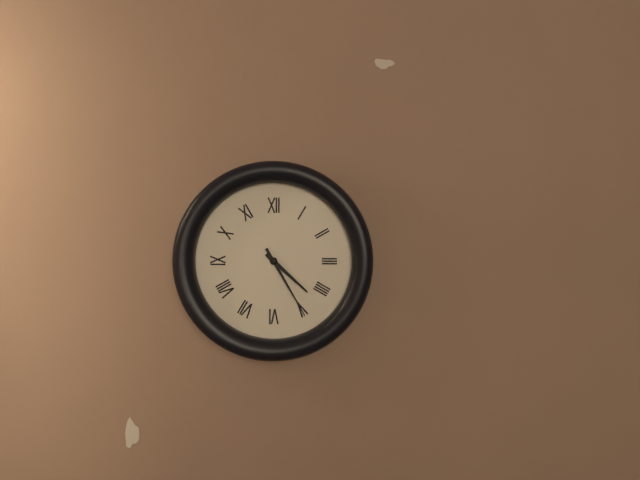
4,25
